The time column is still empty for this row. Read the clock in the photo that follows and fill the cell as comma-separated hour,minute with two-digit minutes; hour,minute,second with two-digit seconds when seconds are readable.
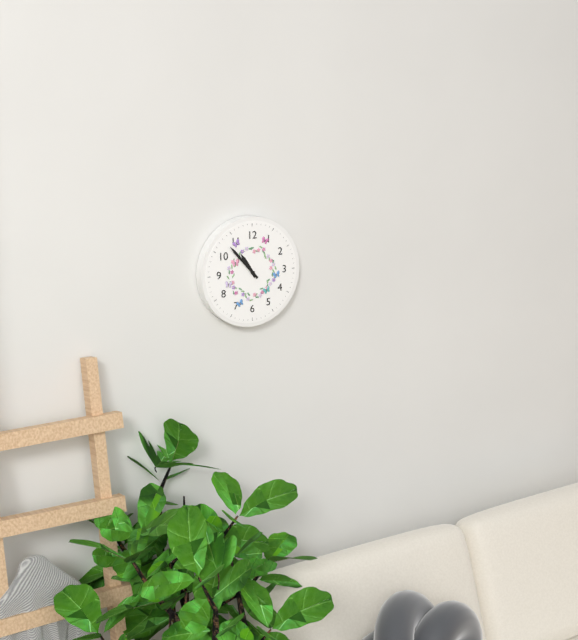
10,53
